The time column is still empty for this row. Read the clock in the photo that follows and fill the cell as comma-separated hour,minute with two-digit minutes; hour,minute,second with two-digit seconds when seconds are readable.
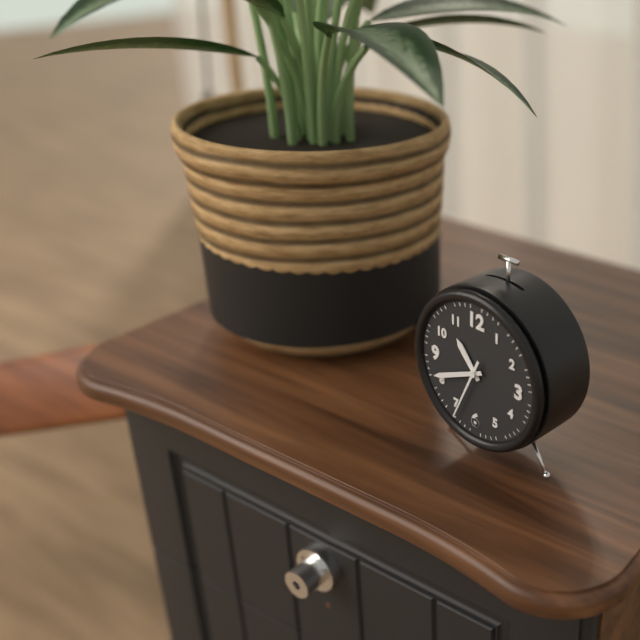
10,41,34
